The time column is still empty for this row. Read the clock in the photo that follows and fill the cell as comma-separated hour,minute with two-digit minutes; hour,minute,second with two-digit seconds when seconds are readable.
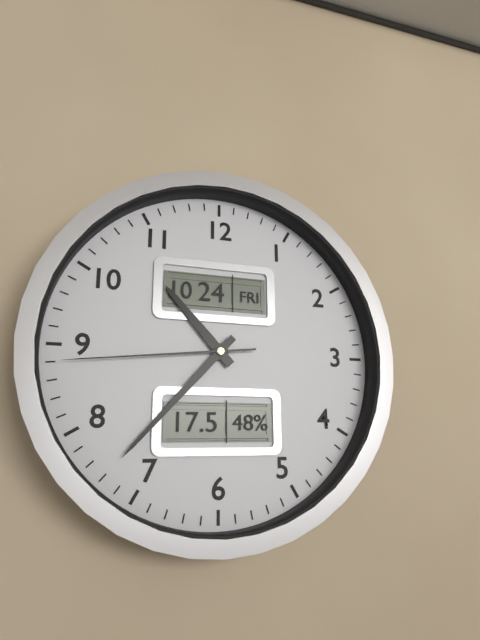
10,37,44
